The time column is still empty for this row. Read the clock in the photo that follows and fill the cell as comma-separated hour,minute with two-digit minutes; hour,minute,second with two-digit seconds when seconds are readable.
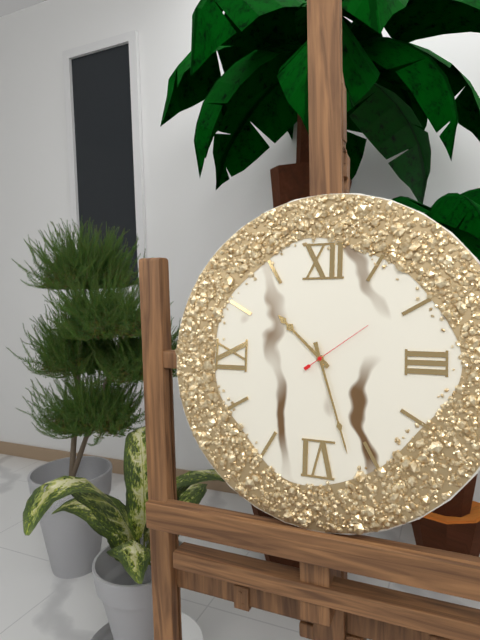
10,27,09
